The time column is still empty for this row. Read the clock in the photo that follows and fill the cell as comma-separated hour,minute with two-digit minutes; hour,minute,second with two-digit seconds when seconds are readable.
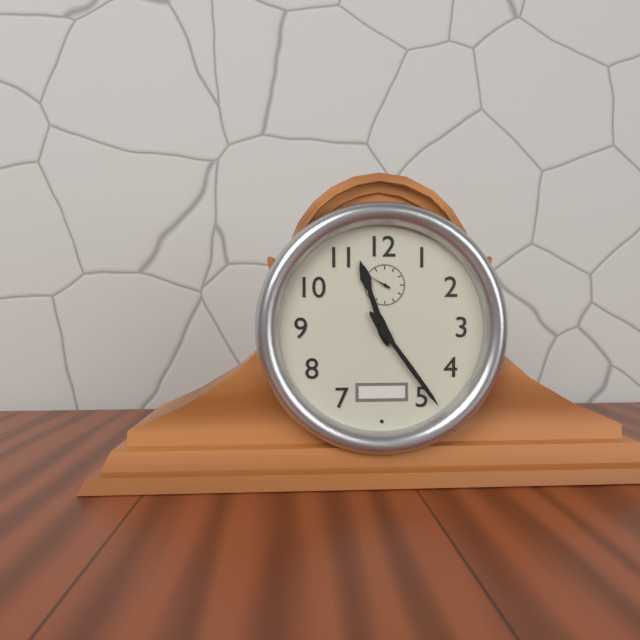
11,24
